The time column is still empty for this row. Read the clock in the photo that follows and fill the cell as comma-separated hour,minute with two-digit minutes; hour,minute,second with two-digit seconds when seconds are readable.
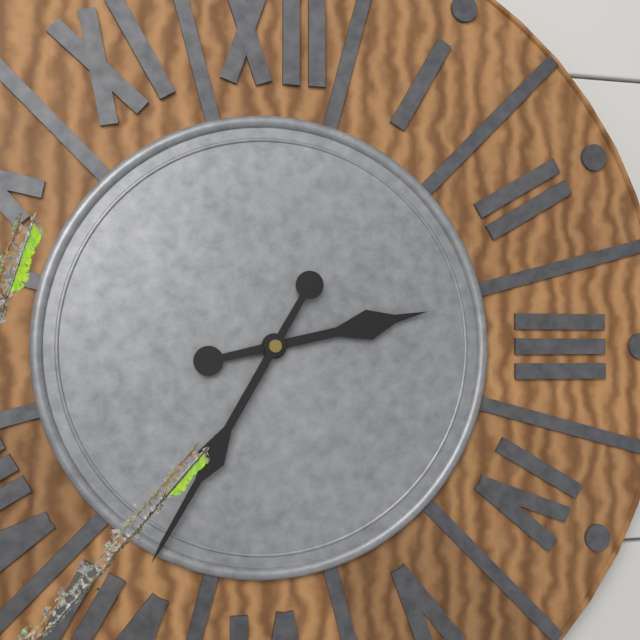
2,35
